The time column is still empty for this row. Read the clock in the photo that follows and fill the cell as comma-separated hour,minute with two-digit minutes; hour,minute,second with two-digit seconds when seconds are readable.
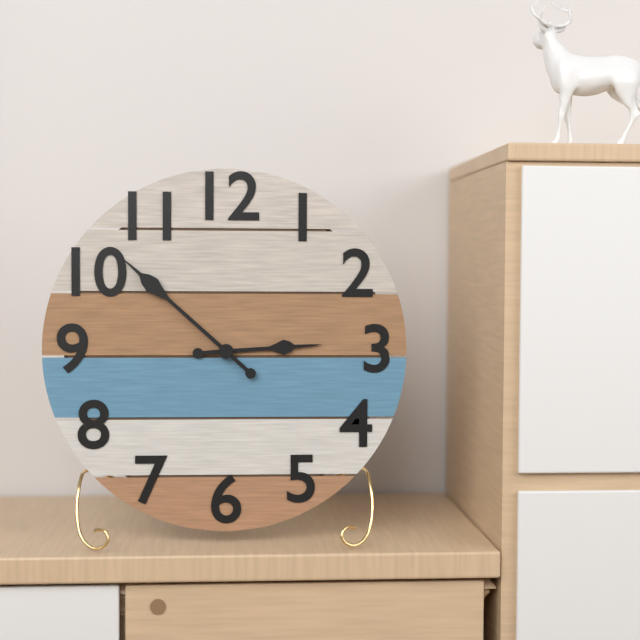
2,52
